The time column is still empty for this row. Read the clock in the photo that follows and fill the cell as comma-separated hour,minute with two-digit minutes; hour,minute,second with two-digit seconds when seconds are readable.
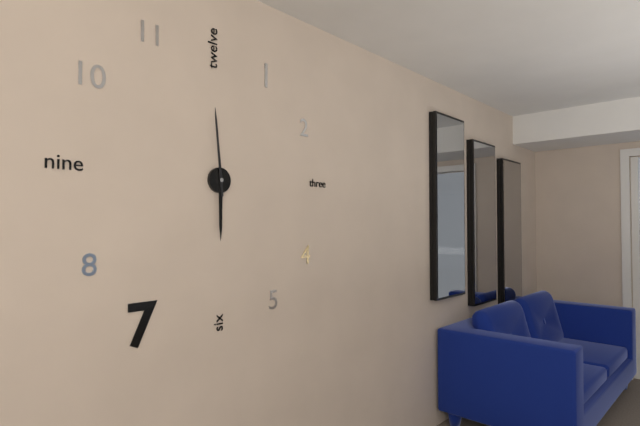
5,59
